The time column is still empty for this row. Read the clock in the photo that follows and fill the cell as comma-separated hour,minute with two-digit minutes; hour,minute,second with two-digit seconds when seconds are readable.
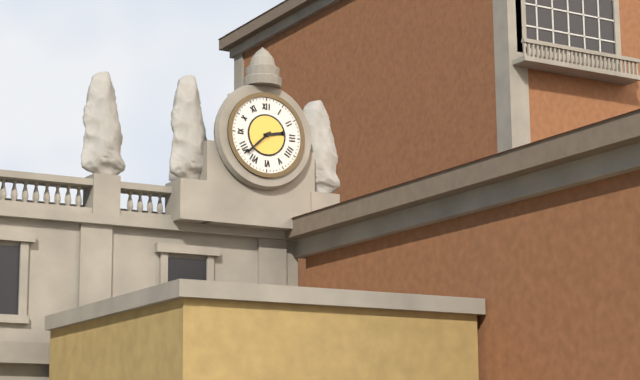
2,38
